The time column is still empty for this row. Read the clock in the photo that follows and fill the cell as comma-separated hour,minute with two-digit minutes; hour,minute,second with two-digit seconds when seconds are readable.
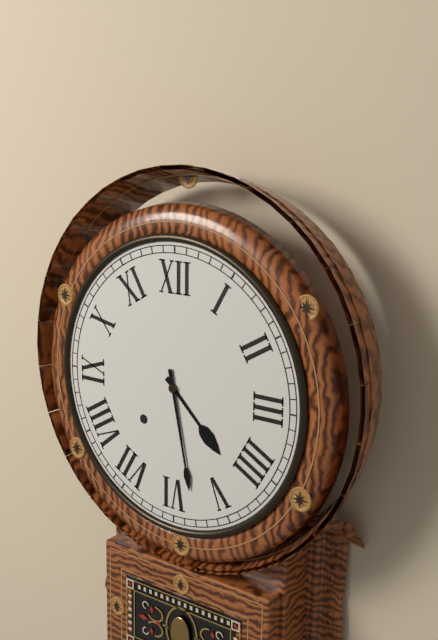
4,28
